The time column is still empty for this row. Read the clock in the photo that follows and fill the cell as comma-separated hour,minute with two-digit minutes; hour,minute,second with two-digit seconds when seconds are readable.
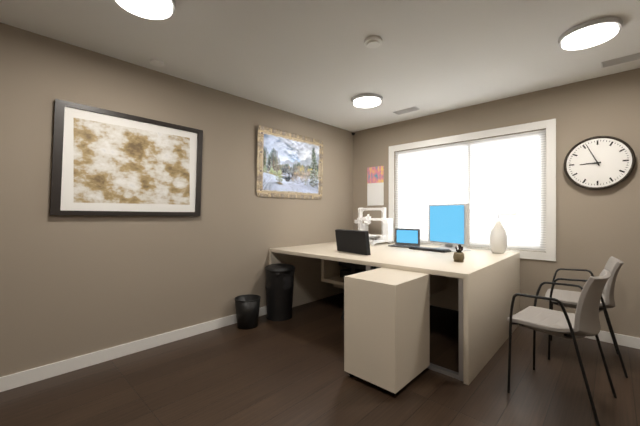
8,56
